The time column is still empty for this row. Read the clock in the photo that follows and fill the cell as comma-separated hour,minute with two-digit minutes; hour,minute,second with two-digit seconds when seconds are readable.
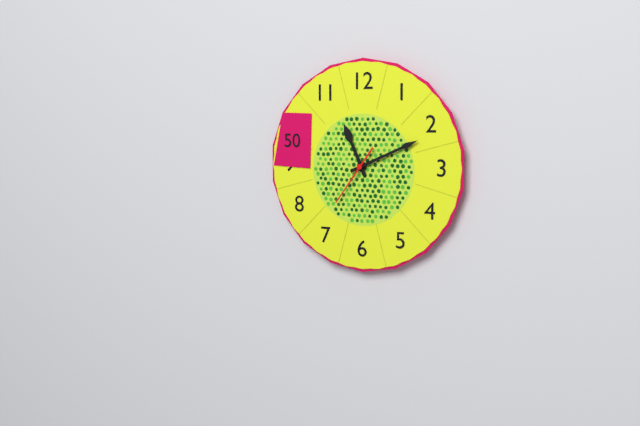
11,11,36
